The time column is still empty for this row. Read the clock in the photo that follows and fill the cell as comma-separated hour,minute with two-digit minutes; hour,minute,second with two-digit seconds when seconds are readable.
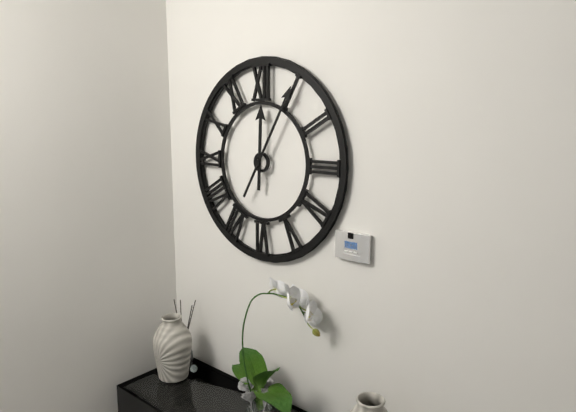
12,05
